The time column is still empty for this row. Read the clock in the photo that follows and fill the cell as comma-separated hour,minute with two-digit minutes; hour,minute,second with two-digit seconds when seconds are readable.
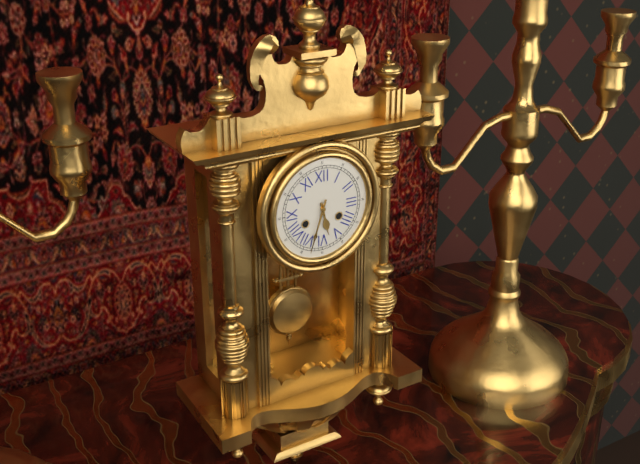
5,33
